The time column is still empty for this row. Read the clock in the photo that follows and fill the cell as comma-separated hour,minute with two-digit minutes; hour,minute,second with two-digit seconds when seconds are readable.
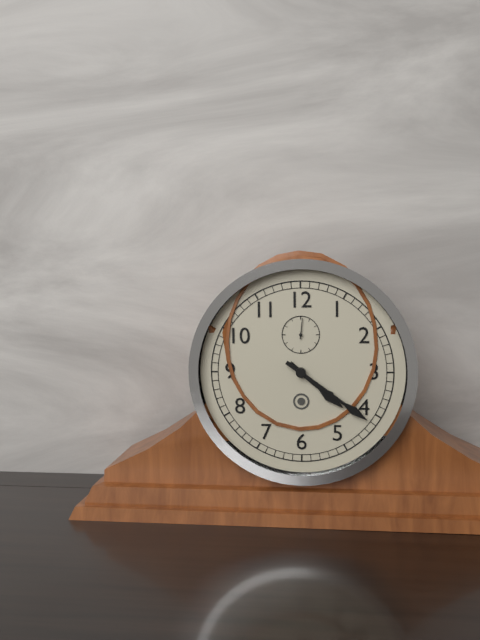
4,21
